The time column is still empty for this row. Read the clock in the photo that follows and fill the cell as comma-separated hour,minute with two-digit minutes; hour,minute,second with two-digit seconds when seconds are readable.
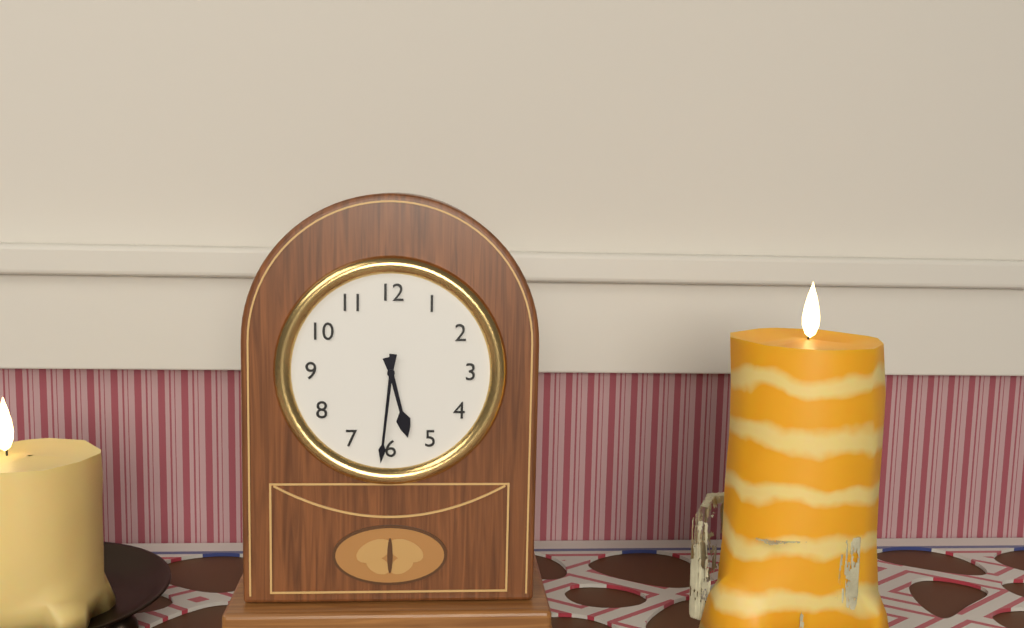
5,31
